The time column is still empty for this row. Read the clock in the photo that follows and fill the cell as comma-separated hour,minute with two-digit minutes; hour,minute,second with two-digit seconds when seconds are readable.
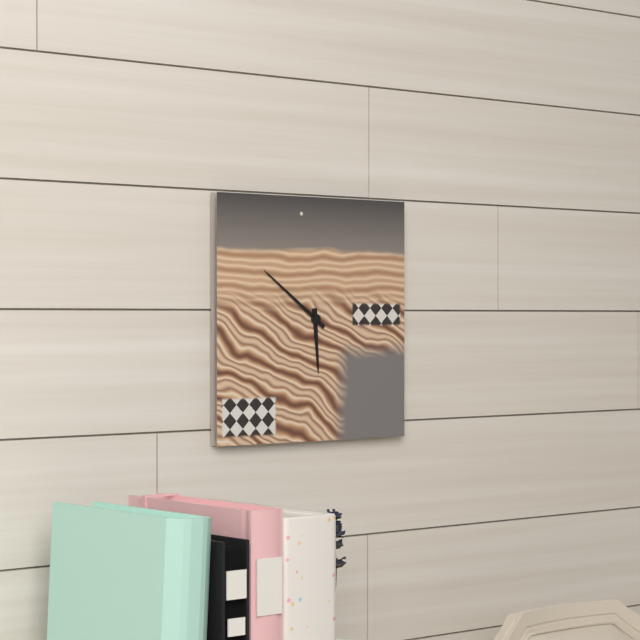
5,51
